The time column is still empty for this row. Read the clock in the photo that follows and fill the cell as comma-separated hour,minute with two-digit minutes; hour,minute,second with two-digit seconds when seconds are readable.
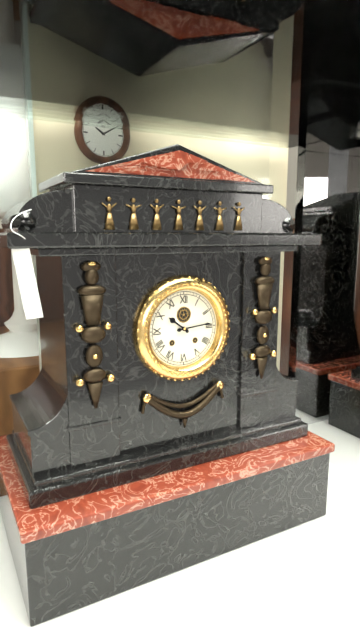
10,14
